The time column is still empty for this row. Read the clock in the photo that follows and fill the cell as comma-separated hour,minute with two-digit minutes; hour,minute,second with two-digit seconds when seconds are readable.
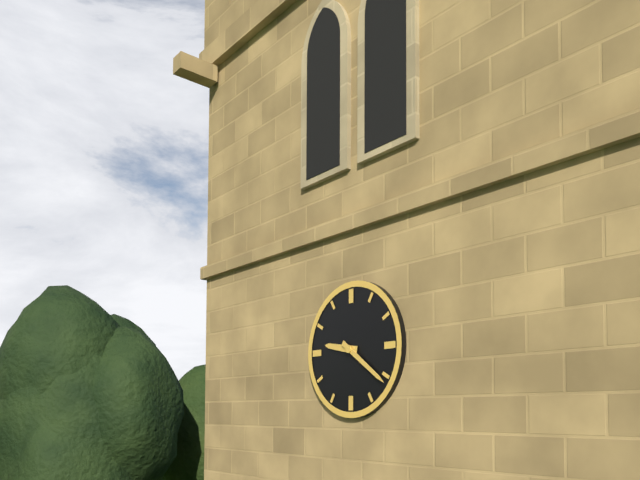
9,21
